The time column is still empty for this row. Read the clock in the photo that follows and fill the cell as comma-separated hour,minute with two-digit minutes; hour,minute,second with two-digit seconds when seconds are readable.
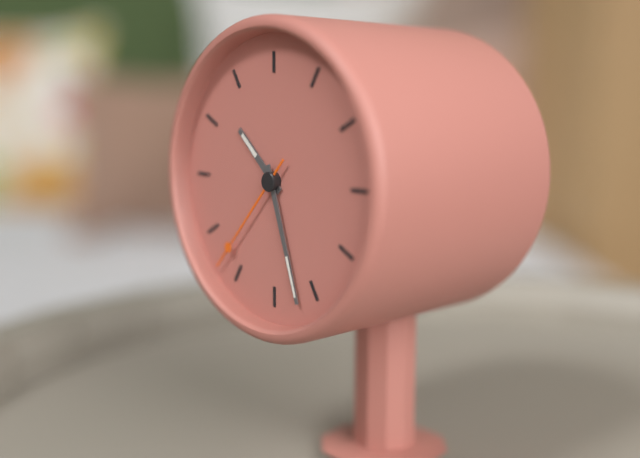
10,27,37
